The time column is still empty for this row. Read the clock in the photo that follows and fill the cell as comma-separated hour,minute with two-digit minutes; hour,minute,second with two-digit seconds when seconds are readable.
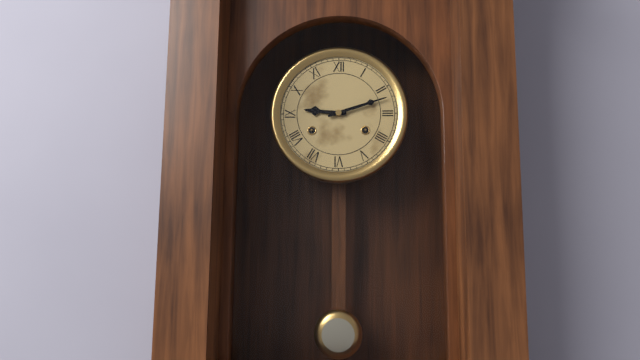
9,12
